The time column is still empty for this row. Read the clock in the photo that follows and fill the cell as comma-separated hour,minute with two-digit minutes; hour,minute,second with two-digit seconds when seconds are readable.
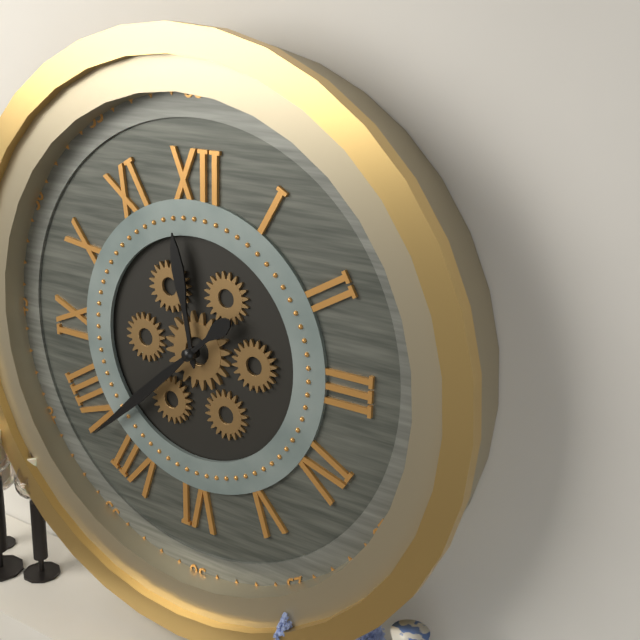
11,38
